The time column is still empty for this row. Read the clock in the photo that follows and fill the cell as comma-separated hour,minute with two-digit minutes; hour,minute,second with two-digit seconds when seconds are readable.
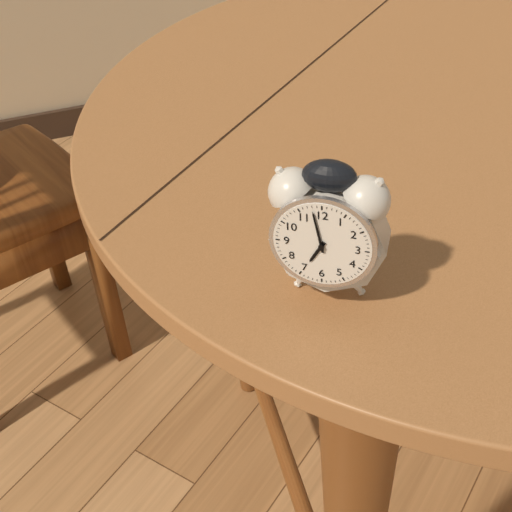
6,58
